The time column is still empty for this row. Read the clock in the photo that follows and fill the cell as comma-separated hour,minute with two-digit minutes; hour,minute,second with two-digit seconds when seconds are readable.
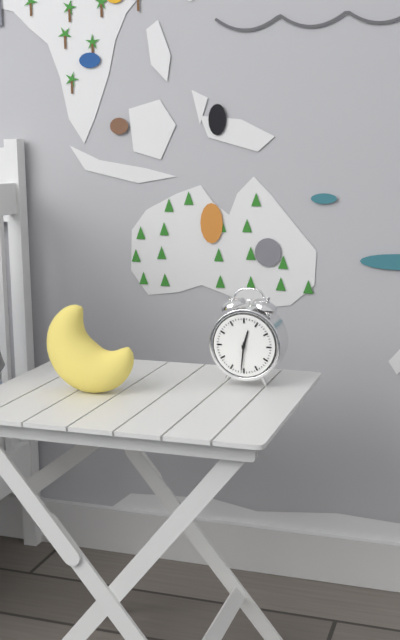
12,31
